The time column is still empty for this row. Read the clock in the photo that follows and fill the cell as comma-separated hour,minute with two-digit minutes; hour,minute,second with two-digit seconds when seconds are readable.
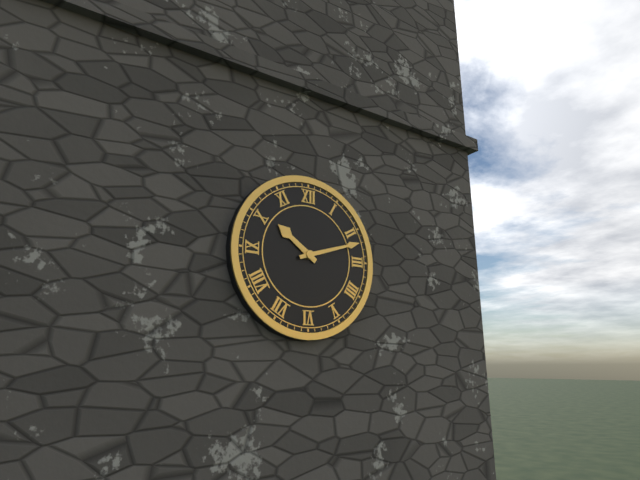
10,12
